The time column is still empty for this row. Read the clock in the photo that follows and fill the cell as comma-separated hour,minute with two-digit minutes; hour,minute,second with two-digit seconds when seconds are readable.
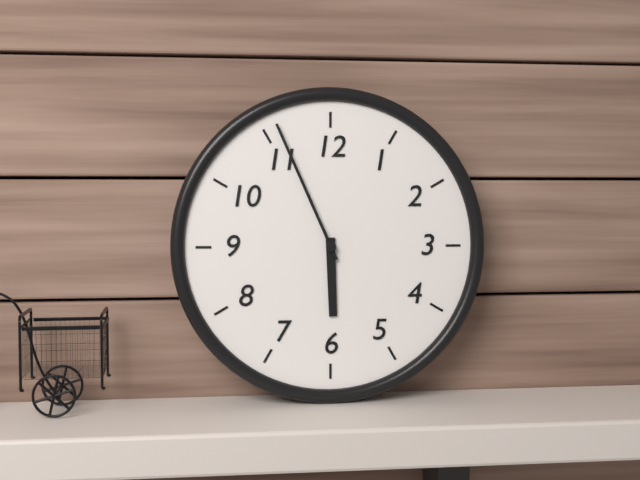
5,56
